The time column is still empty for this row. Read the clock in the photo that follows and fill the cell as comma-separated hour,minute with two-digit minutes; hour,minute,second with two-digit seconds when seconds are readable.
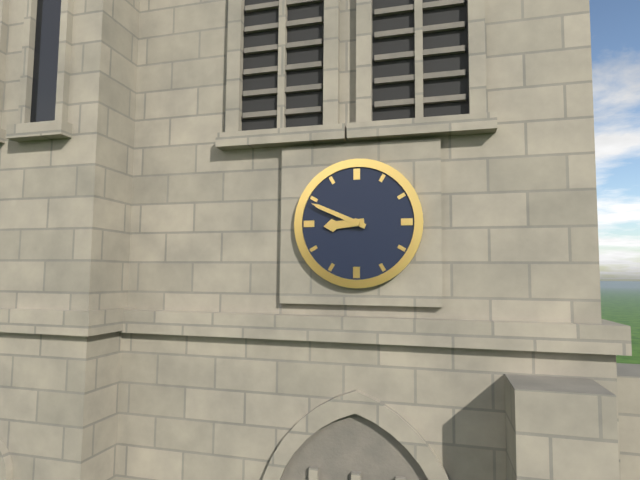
8,49
